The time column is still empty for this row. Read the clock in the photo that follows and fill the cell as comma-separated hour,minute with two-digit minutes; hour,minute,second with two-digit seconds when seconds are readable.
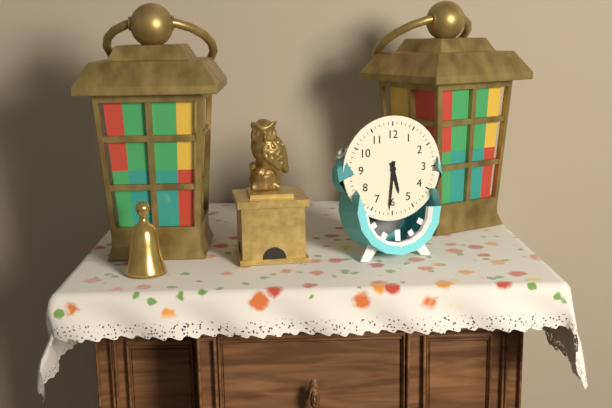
5,31
